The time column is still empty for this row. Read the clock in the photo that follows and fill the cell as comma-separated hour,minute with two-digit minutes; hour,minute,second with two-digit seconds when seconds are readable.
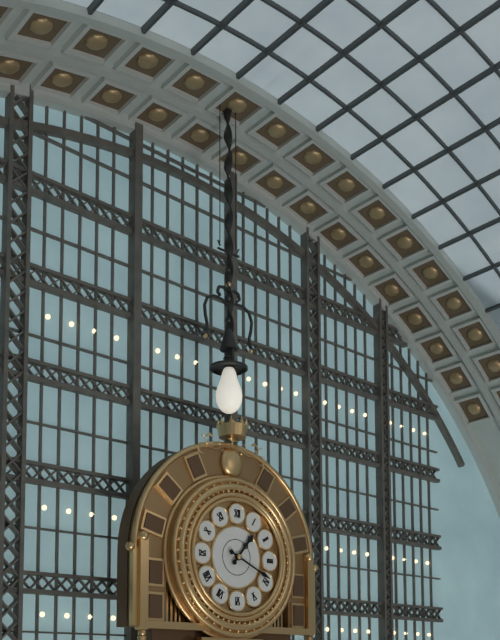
1,19
